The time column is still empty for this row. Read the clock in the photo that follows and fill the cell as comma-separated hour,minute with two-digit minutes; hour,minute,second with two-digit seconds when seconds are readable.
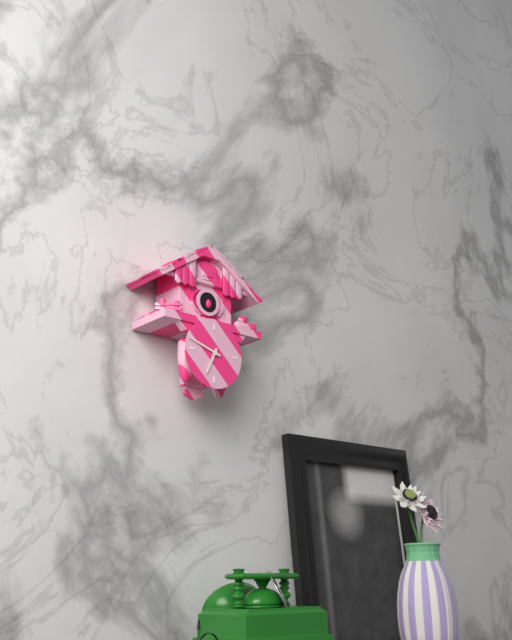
6,48
